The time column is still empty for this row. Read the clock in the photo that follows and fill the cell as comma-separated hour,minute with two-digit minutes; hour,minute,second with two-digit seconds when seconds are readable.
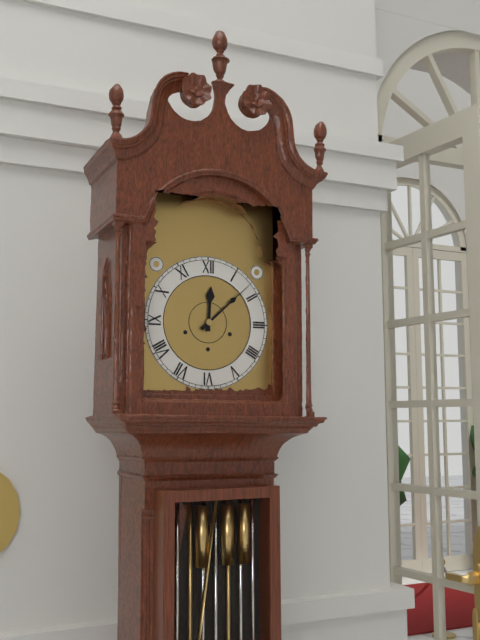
12,08
